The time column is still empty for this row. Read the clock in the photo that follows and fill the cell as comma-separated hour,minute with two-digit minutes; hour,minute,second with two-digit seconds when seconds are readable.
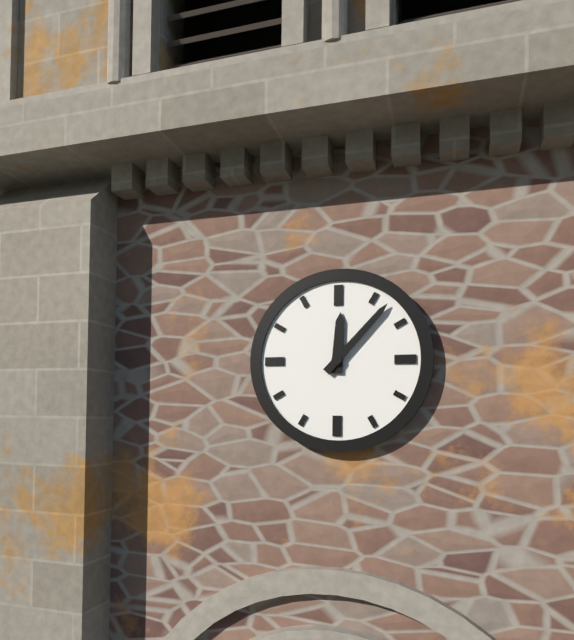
12,07
